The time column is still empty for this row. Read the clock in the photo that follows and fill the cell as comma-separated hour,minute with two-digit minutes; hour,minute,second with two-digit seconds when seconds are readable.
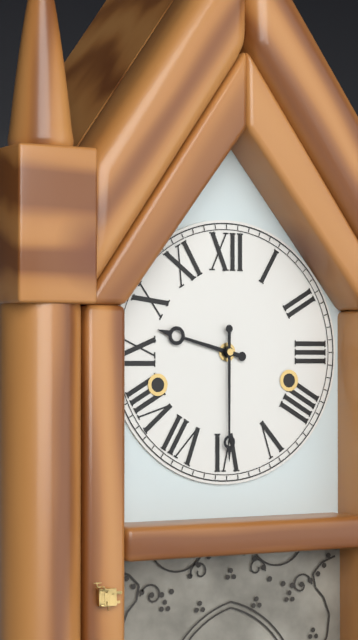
9,30
